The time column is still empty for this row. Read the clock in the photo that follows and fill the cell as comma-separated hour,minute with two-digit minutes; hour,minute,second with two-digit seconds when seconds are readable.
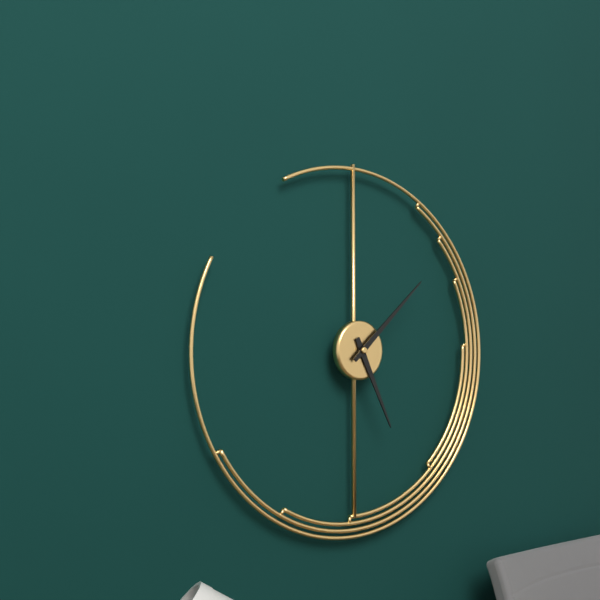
5,08
